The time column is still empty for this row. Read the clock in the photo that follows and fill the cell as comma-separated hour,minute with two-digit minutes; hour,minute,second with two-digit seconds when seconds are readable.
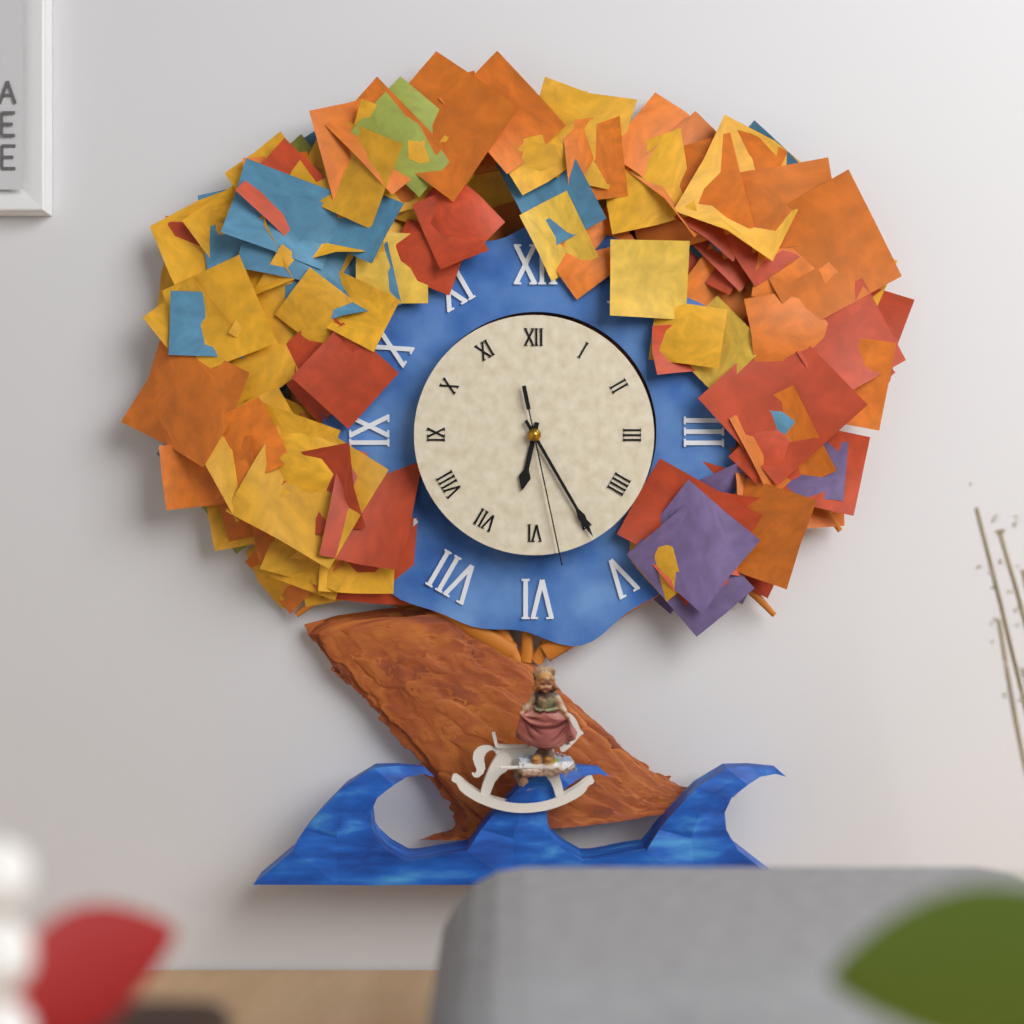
6,25,28
